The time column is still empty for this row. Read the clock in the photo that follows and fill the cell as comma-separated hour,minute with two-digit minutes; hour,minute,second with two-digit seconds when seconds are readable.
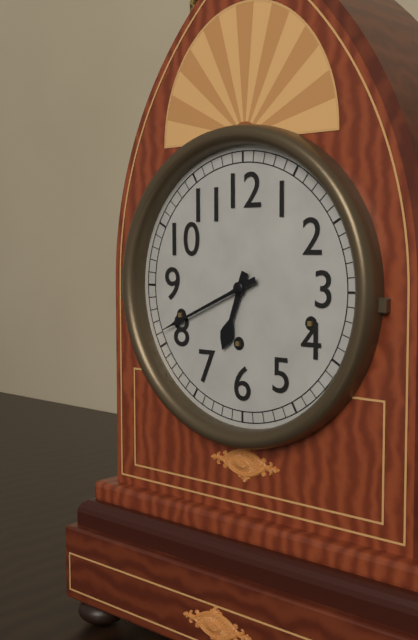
6,41
